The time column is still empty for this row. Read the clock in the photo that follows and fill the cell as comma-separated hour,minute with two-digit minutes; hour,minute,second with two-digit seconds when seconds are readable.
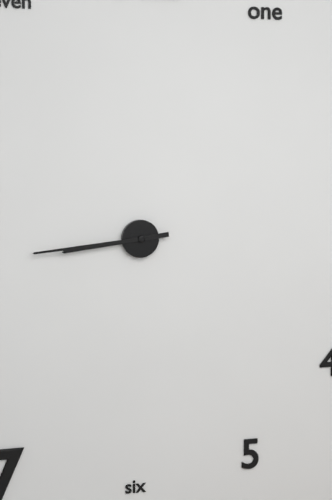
8,44
